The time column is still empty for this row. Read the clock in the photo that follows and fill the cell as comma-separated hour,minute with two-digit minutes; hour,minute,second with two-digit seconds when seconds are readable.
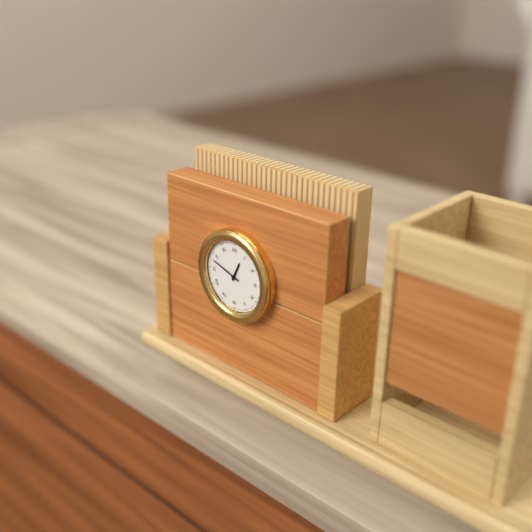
12,48
